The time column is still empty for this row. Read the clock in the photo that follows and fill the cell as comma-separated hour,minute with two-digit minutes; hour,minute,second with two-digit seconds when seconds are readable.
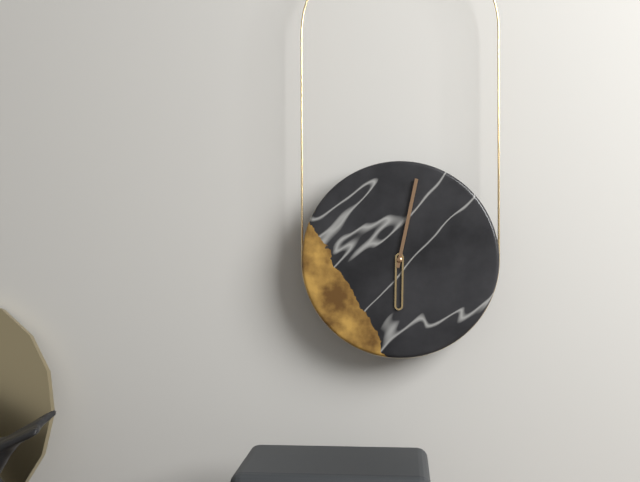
6,02
